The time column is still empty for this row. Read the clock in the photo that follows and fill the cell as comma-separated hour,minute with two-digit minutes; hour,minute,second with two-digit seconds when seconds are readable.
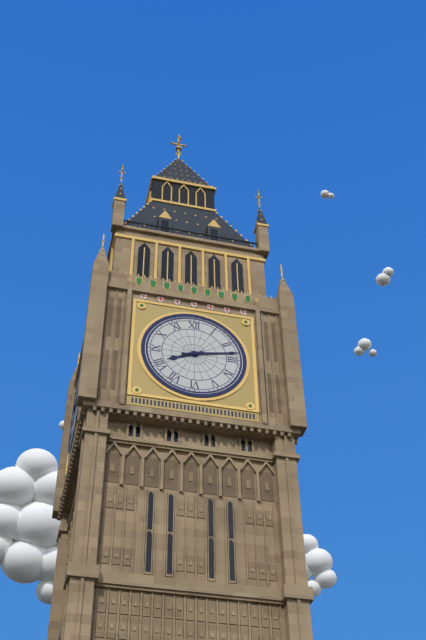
8,13
